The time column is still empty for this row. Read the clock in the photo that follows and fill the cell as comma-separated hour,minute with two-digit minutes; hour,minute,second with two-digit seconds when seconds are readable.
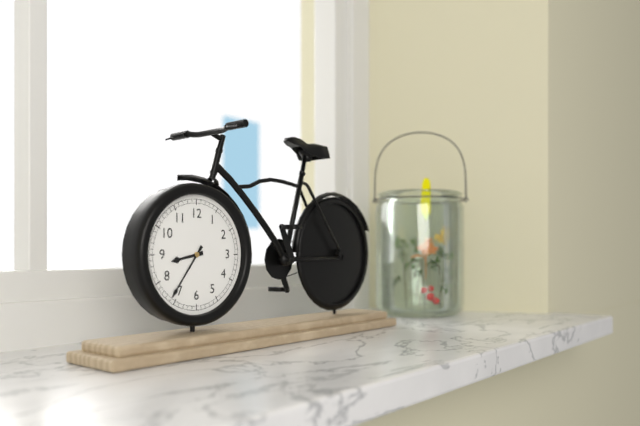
8,36
